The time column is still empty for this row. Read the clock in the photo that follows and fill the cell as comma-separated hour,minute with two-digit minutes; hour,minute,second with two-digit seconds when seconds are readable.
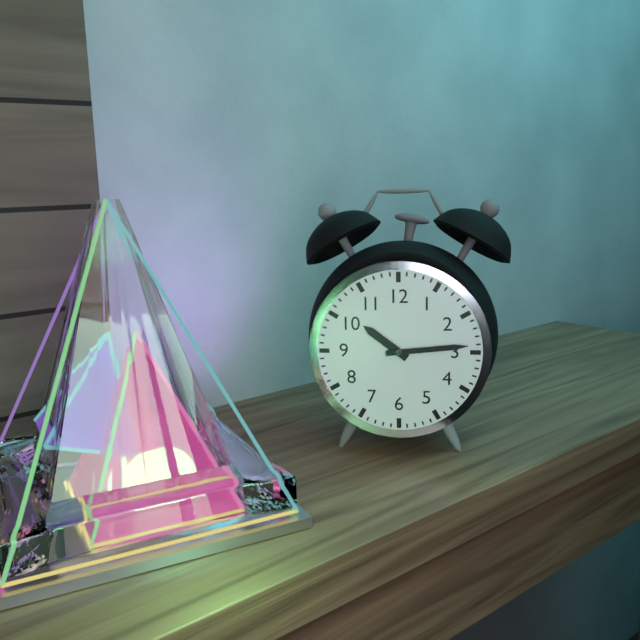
10,14
